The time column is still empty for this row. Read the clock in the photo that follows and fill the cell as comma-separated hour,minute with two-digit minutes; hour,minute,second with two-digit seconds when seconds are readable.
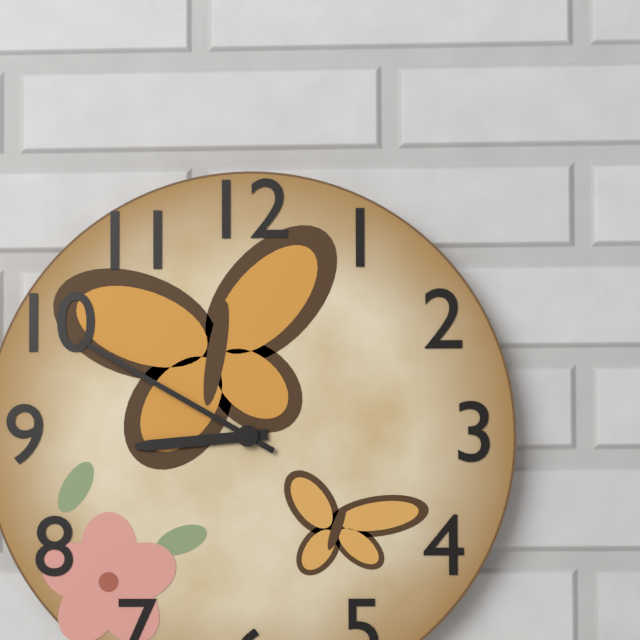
8,50
